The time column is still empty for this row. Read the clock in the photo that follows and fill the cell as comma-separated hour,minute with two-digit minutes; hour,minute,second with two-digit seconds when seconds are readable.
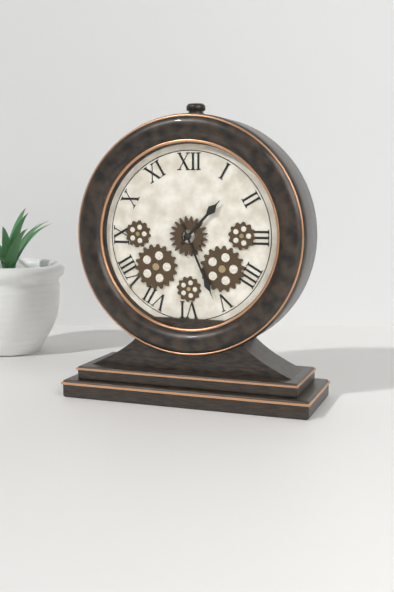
1,26
